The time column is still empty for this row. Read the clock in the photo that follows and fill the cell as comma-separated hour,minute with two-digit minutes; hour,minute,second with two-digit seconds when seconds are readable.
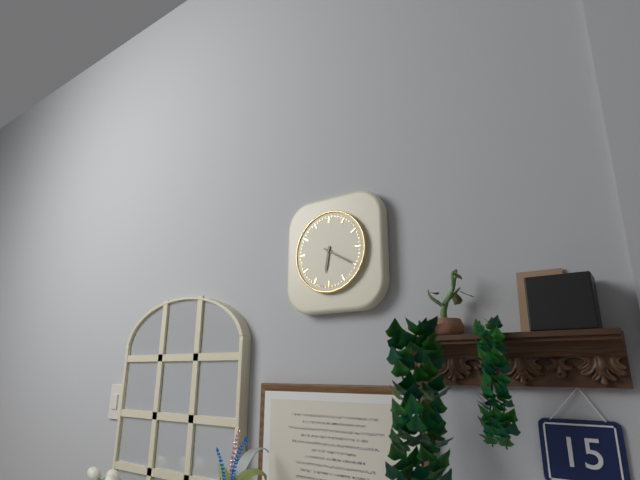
6,20
